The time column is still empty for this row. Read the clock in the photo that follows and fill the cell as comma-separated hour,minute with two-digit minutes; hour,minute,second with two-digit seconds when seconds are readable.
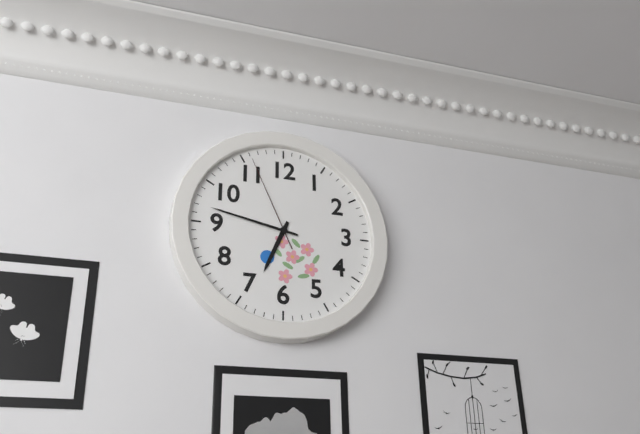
6,47,56
